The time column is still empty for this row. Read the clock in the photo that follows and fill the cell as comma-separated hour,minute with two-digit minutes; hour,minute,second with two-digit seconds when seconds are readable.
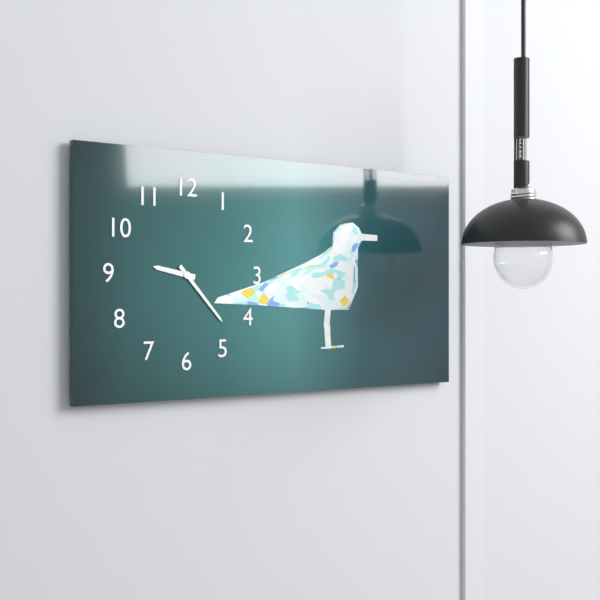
9,23
